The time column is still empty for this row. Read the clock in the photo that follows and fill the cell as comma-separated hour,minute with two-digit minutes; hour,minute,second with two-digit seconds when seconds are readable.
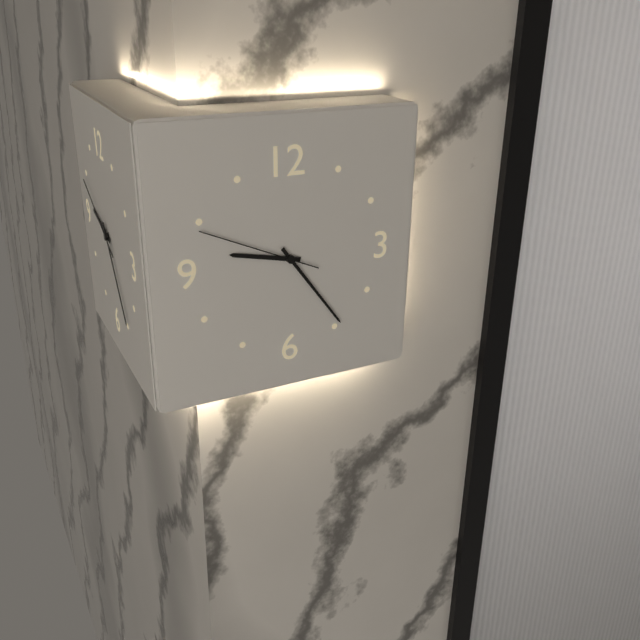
9,24,49
